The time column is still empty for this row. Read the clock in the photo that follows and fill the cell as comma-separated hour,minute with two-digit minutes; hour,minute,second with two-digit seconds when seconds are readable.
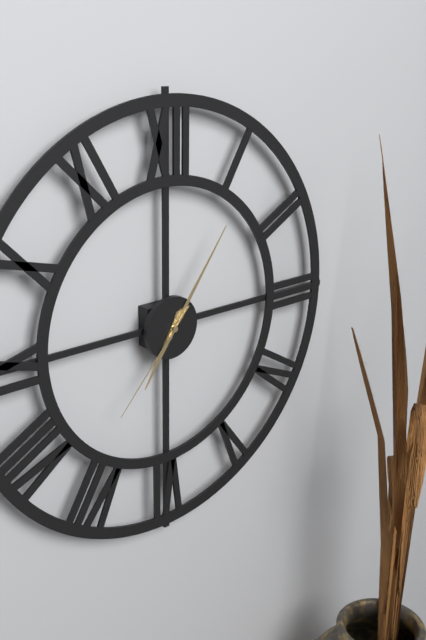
7,06,37
